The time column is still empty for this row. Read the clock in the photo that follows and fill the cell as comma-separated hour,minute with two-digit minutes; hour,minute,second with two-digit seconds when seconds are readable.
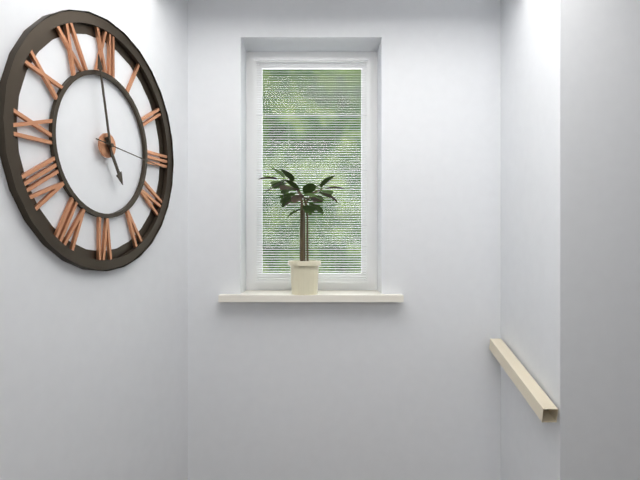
4,58,16
